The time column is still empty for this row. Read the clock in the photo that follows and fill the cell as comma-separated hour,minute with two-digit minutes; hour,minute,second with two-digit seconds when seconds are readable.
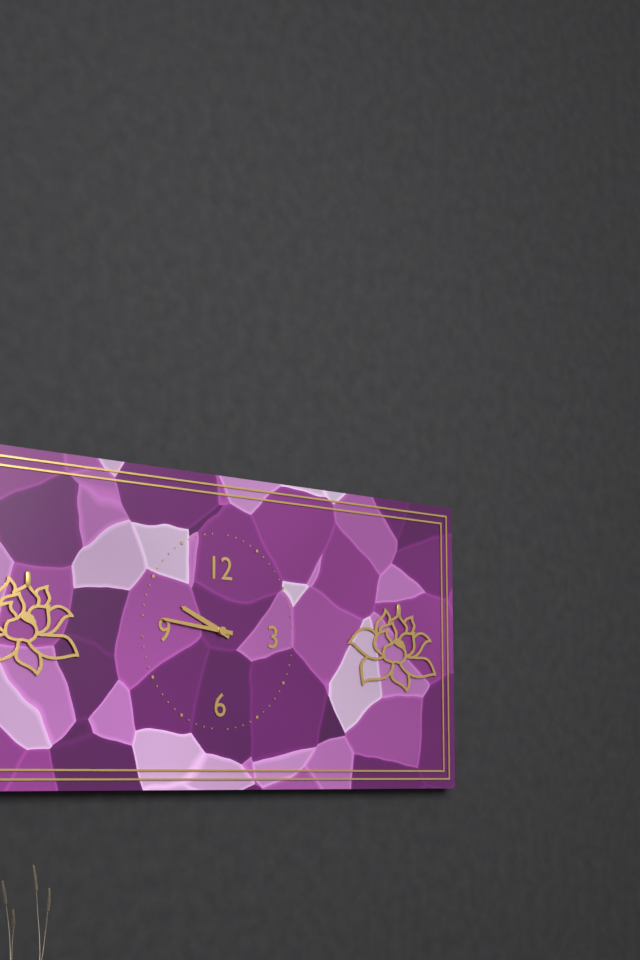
9,46
